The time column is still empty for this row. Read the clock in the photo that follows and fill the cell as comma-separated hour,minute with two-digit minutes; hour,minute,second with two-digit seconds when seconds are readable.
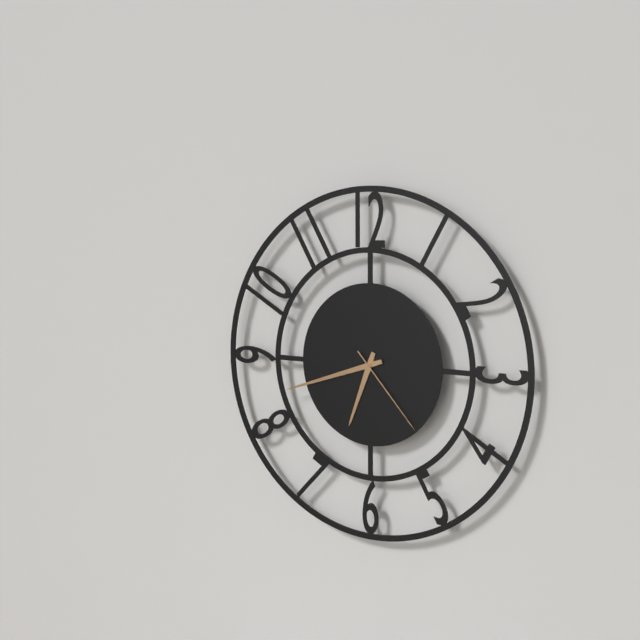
6,42,23
